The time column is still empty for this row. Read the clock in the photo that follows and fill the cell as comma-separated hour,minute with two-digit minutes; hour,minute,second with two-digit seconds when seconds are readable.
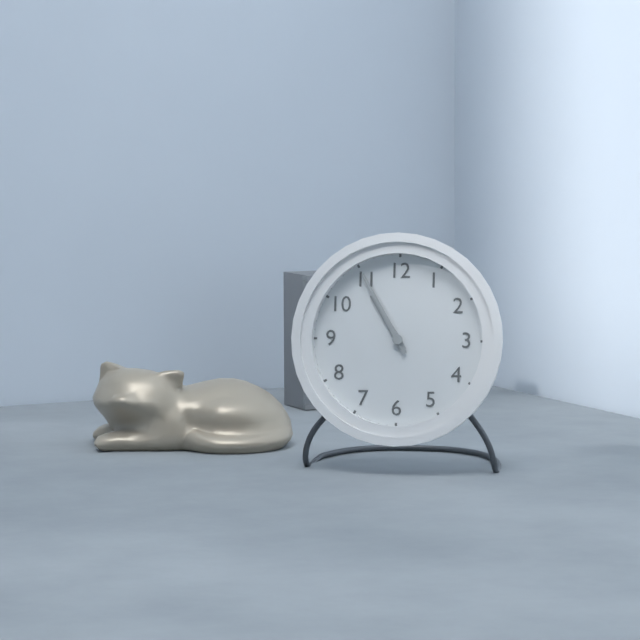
10,55
